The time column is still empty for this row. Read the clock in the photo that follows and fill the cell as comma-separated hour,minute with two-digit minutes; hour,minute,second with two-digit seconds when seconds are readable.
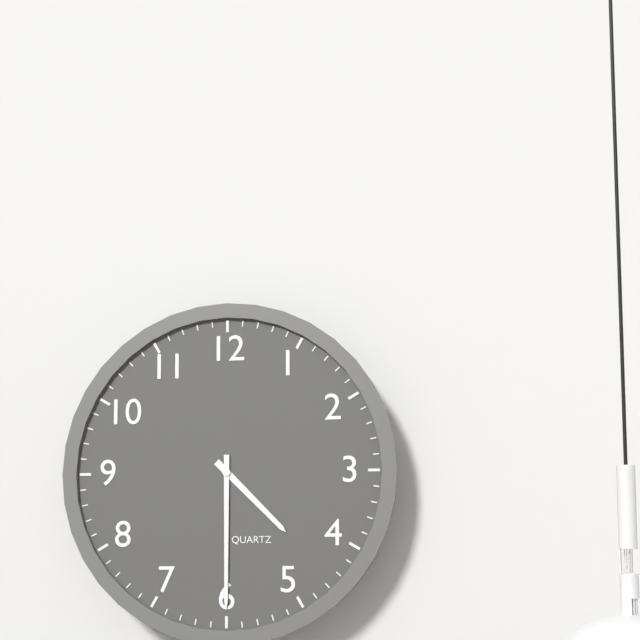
4,30
